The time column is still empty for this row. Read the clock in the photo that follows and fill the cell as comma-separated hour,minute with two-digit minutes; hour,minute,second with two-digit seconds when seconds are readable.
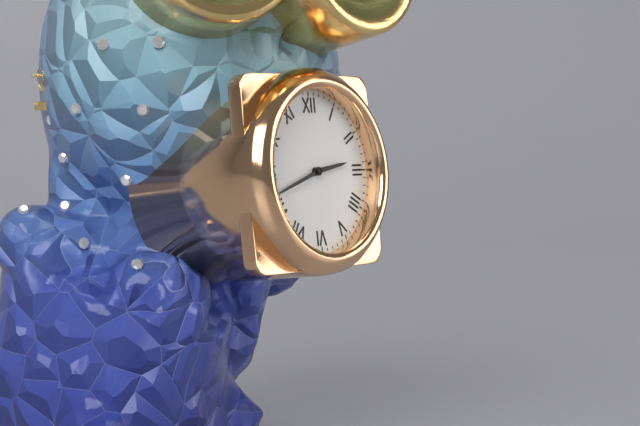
2,42
